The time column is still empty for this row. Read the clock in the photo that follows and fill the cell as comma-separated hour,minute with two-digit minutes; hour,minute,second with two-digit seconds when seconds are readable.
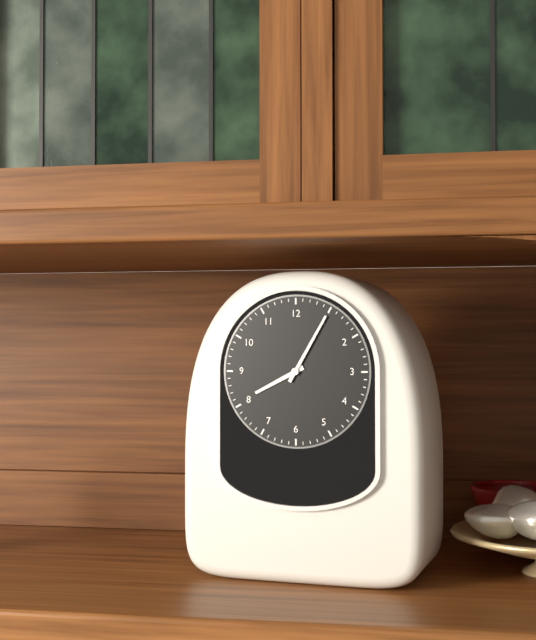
8,05
